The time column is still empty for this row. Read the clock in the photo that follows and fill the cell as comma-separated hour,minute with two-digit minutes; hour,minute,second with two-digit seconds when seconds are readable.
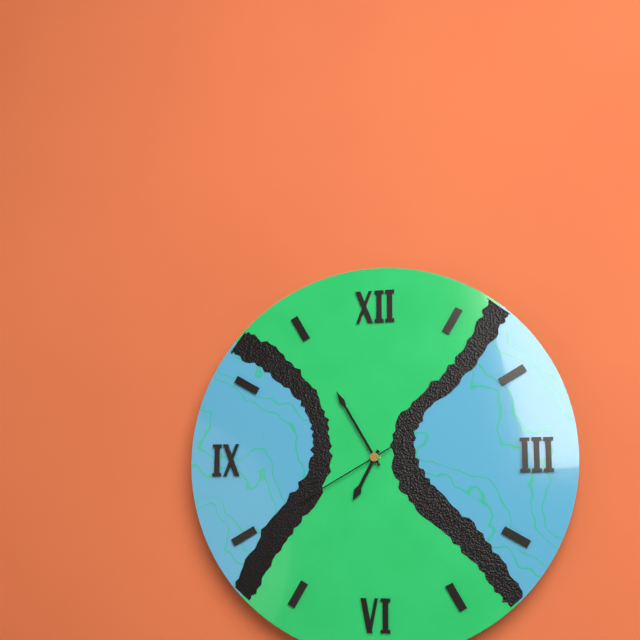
6,55,40
